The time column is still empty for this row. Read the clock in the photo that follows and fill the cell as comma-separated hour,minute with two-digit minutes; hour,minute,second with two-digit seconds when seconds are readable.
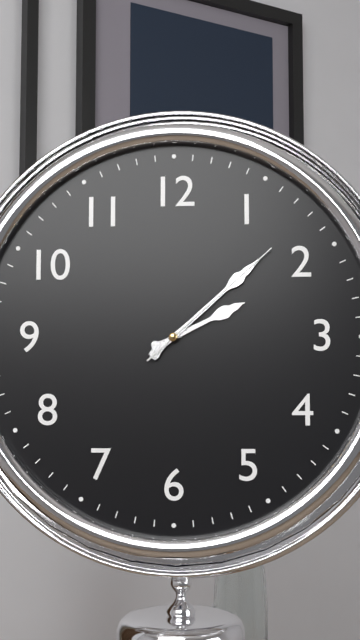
2,08,08
